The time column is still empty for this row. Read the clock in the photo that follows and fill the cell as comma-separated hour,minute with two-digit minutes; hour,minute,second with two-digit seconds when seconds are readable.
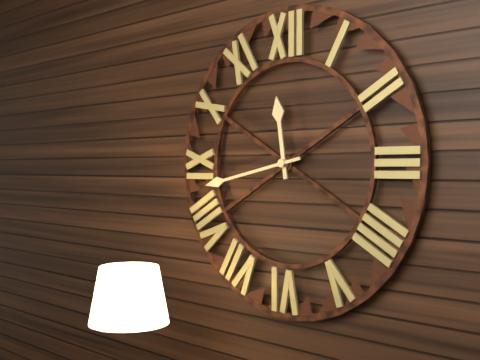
11,43
